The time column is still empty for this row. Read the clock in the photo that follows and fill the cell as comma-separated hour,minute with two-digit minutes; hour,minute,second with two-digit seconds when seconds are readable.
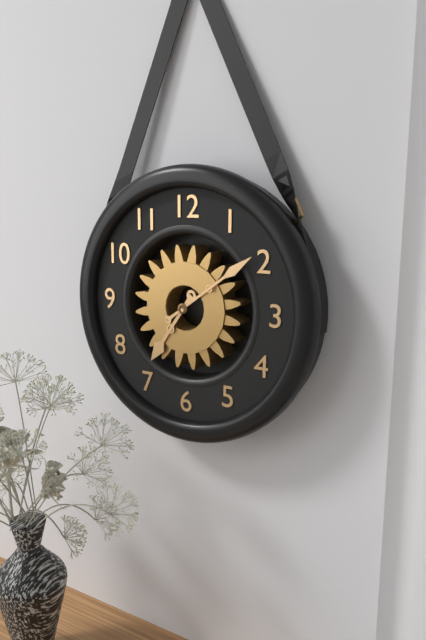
7,09
